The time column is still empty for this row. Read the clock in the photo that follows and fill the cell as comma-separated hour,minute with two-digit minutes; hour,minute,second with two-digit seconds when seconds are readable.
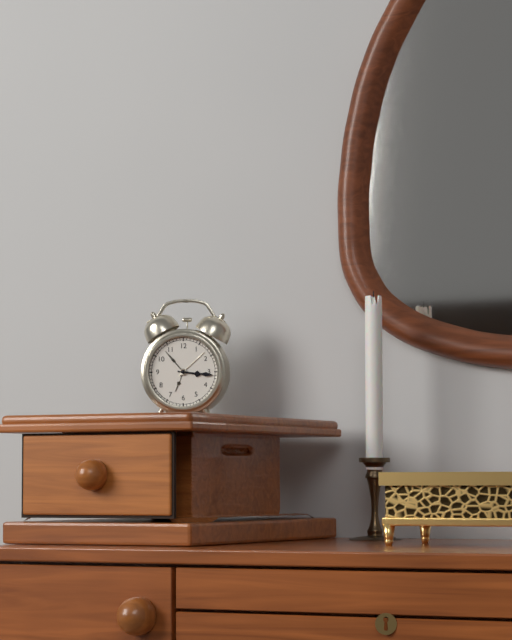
3,16
